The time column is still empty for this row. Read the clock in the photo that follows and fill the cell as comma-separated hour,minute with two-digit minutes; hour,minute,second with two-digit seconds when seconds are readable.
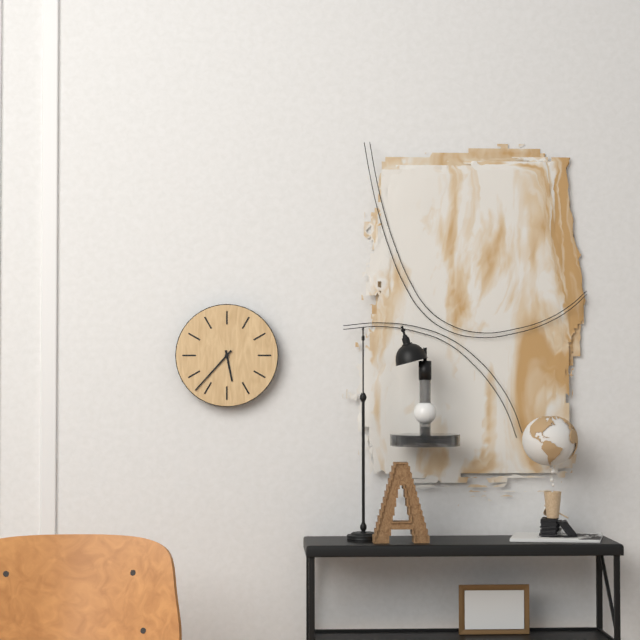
5,37
